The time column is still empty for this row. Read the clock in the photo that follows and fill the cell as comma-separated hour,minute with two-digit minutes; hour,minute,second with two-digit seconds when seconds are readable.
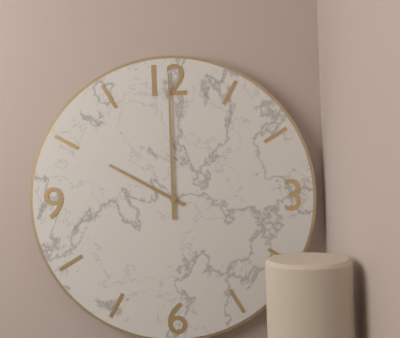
10,00
